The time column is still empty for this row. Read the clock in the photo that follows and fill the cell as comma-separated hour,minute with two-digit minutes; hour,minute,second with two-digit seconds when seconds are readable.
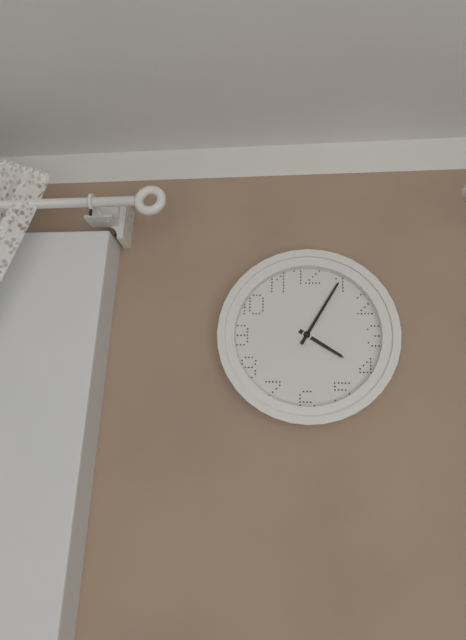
4,05
